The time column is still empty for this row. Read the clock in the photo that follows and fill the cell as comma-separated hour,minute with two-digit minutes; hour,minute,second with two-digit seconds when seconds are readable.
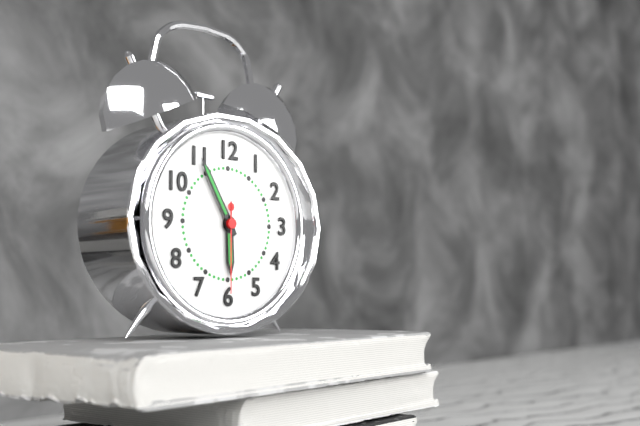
5,55,30
